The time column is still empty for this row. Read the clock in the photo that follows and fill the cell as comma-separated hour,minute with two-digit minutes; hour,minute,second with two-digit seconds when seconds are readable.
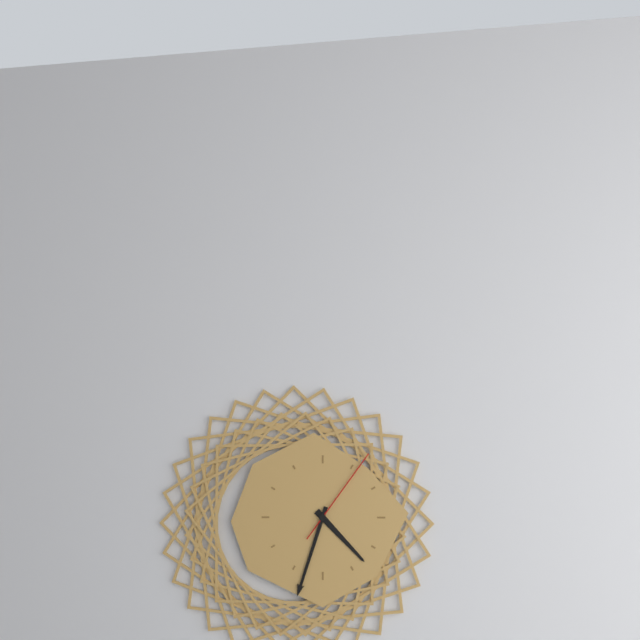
4,33,06
